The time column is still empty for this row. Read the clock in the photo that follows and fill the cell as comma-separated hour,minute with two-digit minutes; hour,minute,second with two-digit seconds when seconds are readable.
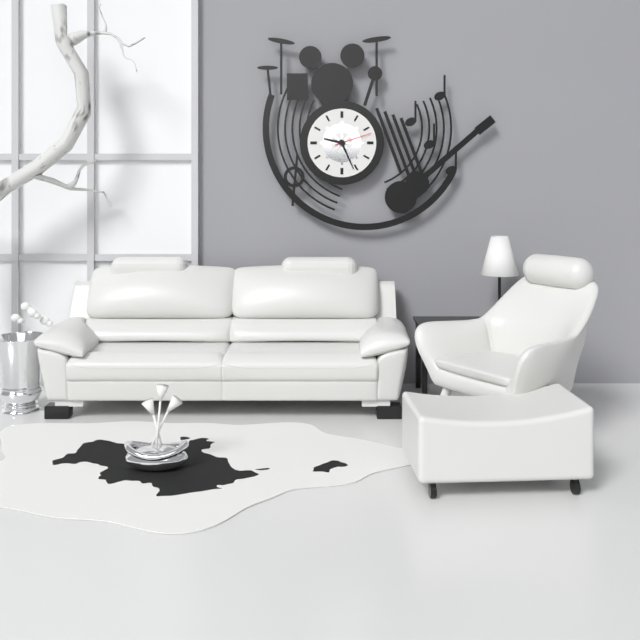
9,26
